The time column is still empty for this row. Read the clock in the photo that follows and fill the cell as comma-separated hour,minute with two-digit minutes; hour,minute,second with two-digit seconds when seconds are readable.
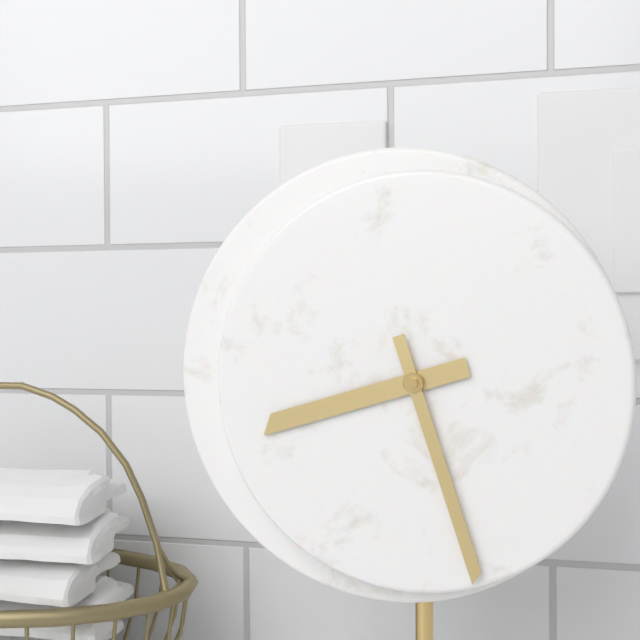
8,27
